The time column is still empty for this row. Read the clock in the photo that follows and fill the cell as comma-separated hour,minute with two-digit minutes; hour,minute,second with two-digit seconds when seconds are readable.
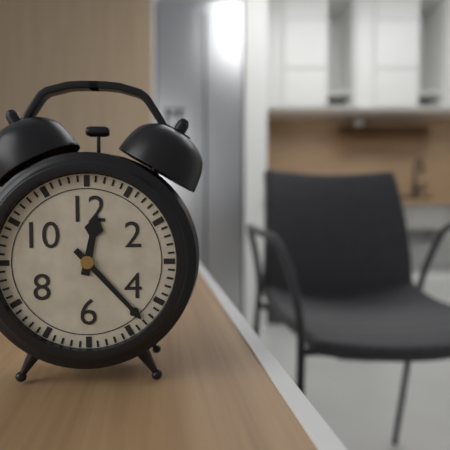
12,23
